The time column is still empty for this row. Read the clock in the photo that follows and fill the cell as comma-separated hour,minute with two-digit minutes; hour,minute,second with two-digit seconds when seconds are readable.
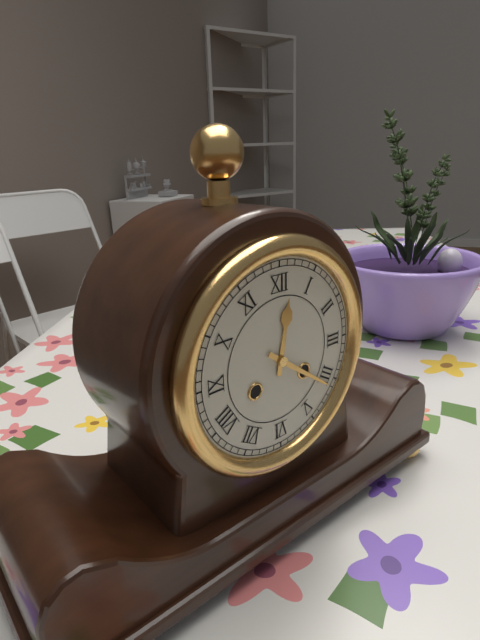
12,21
